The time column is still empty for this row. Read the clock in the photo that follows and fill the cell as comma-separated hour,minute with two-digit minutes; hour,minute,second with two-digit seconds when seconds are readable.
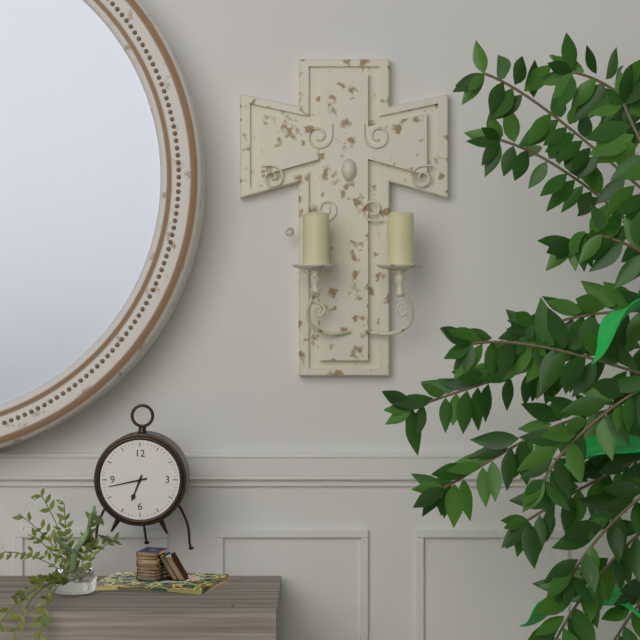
6,43
